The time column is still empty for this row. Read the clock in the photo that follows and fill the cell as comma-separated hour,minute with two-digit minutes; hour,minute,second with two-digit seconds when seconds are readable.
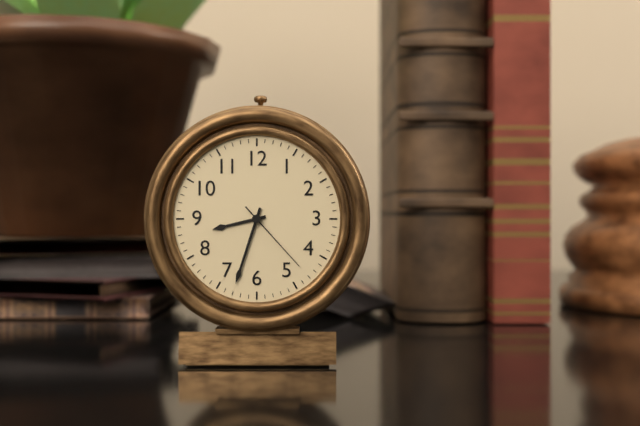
8,33,23
